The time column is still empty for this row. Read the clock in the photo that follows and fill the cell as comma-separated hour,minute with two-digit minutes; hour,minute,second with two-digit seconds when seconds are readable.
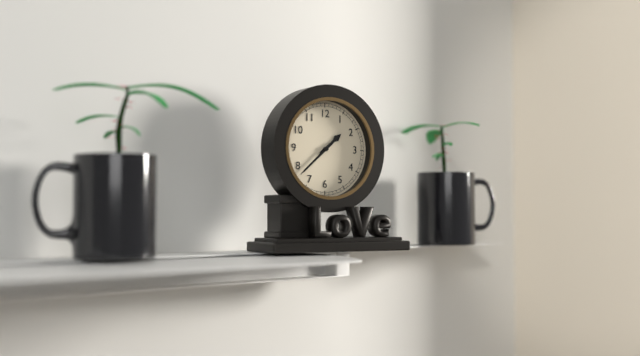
1,38
